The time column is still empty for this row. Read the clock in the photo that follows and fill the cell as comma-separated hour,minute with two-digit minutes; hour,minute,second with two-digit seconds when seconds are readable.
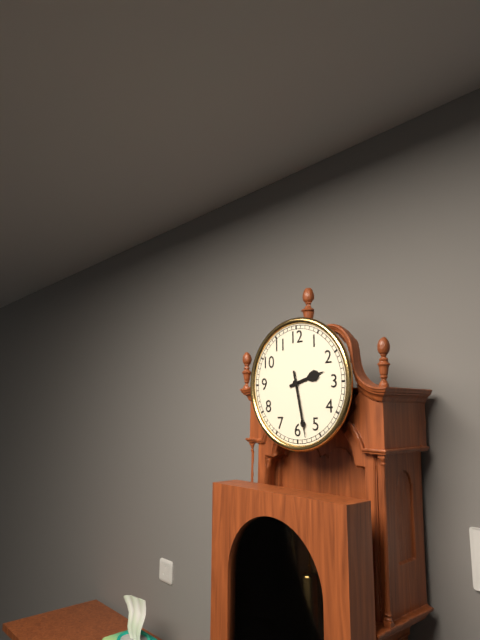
2,28
